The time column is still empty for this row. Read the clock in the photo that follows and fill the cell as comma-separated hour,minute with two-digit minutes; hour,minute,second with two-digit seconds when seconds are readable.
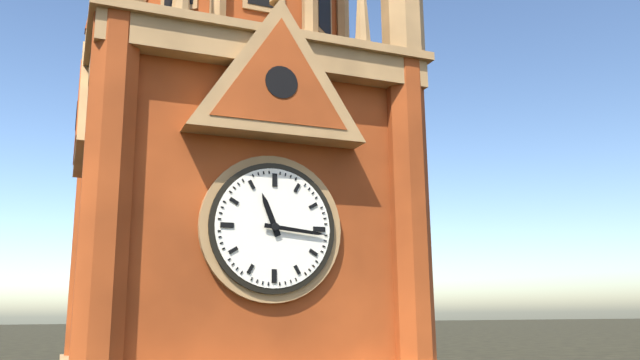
11,16
